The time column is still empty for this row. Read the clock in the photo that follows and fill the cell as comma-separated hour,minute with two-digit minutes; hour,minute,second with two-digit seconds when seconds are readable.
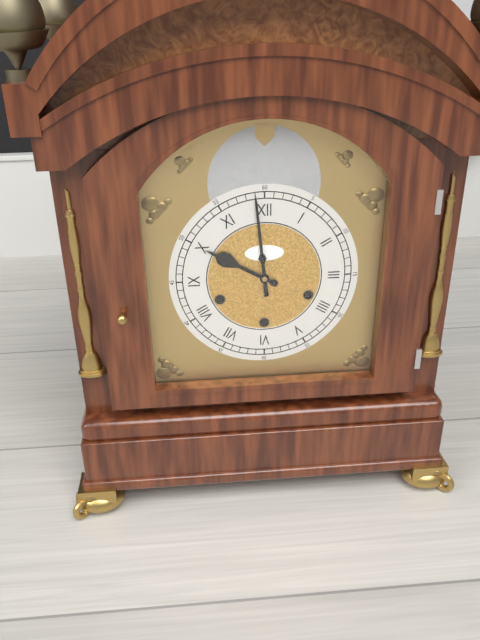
9,59
